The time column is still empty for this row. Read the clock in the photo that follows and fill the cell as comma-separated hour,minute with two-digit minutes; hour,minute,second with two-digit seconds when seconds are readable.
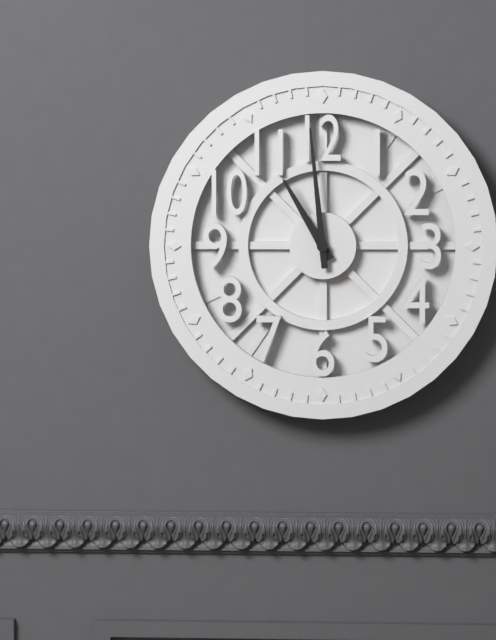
10,59
